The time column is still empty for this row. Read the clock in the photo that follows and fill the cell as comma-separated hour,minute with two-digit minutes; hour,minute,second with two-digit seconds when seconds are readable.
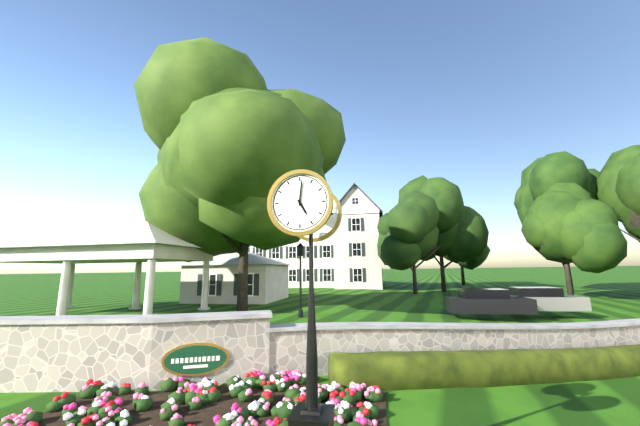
5,01
